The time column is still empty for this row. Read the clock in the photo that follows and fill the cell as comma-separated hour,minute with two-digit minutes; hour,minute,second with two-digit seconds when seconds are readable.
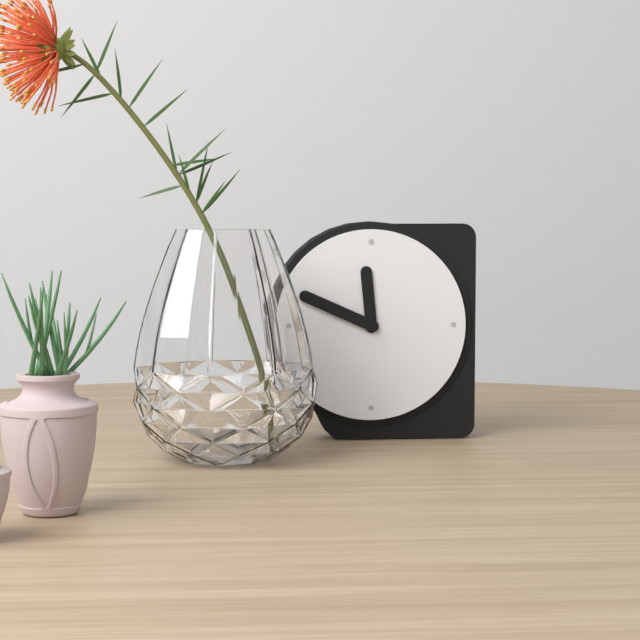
11,49
